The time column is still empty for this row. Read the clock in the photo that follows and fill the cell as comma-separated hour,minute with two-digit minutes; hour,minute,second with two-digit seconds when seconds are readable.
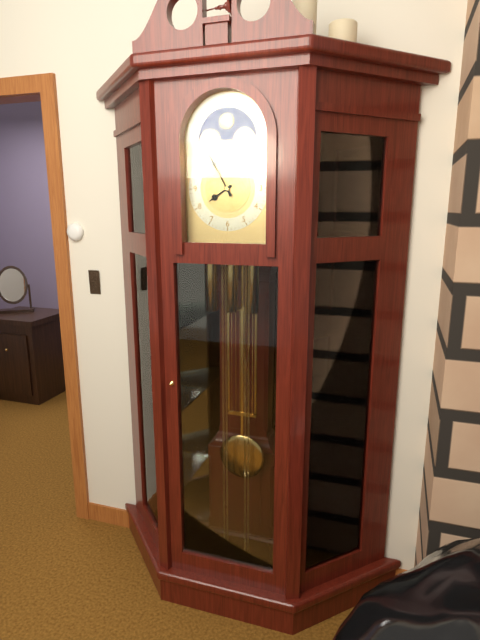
7,55
